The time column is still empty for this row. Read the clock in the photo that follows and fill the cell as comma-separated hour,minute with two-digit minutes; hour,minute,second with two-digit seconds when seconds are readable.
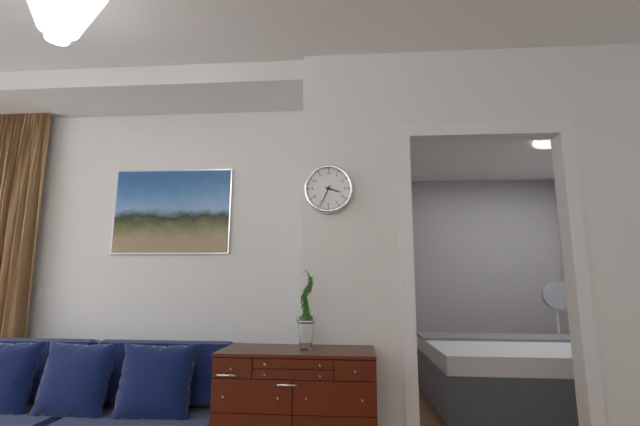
3,34
